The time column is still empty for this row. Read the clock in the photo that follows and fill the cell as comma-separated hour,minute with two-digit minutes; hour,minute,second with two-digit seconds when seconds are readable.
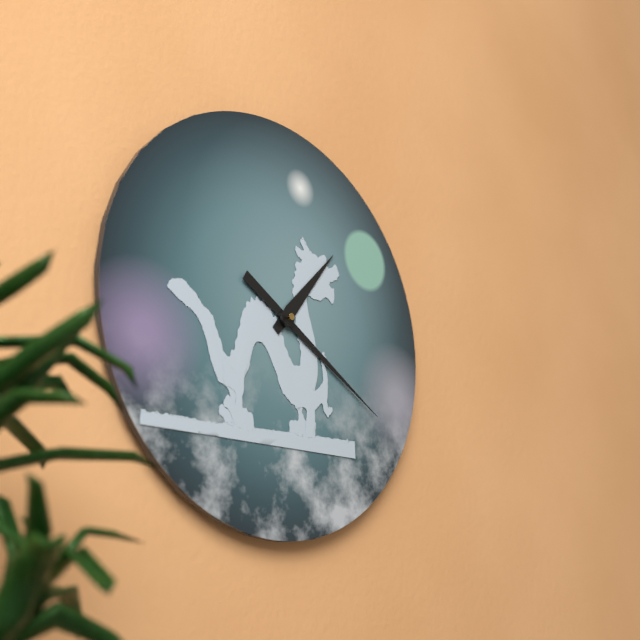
1,20
